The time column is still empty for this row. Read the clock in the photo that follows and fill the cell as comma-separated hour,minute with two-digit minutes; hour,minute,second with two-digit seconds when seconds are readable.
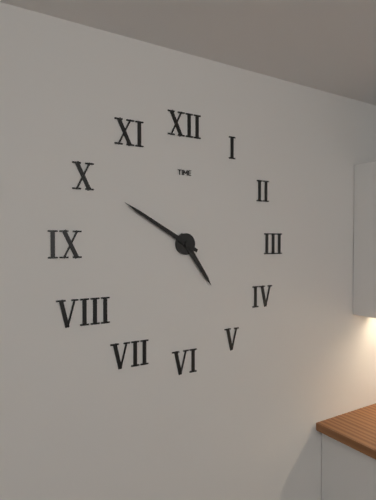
4,50
